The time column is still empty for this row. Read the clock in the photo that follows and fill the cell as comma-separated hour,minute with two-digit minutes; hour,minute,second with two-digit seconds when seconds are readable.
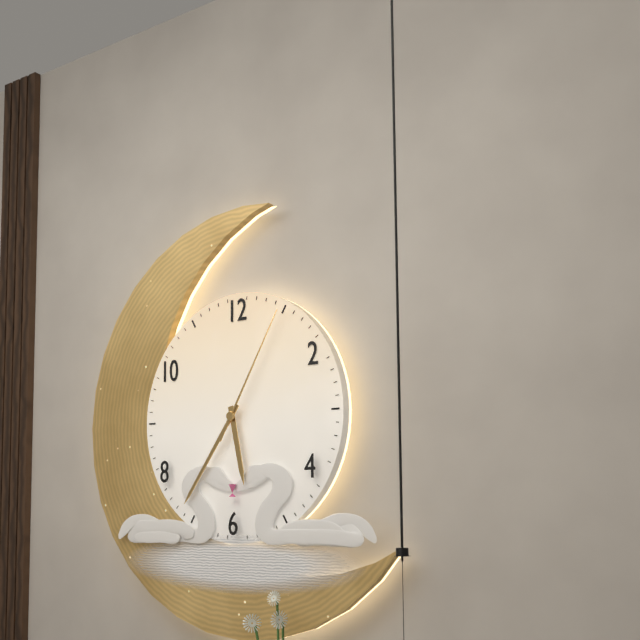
5,36,05
